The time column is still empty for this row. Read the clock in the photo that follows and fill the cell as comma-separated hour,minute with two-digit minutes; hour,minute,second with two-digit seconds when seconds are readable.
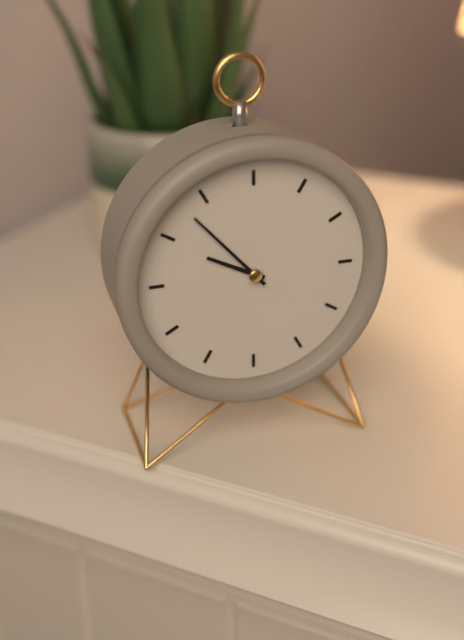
9,53
